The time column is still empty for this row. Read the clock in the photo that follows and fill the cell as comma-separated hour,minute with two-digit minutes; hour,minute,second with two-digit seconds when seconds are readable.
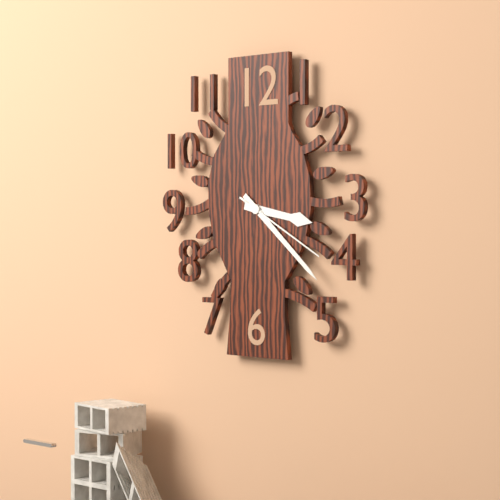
3,22,20
